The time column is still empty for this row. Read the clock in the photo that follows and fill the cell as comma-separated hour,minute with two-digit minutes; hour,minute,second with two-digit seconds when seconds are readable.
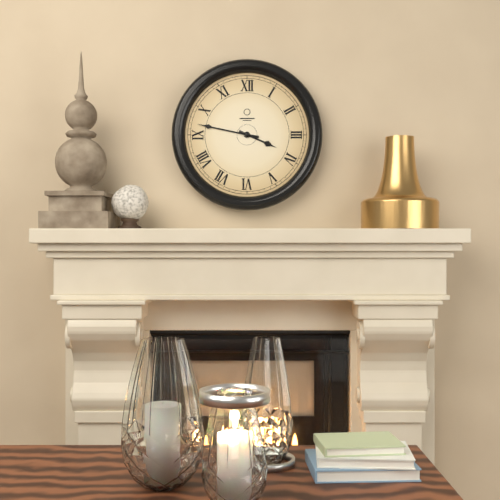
3,47
